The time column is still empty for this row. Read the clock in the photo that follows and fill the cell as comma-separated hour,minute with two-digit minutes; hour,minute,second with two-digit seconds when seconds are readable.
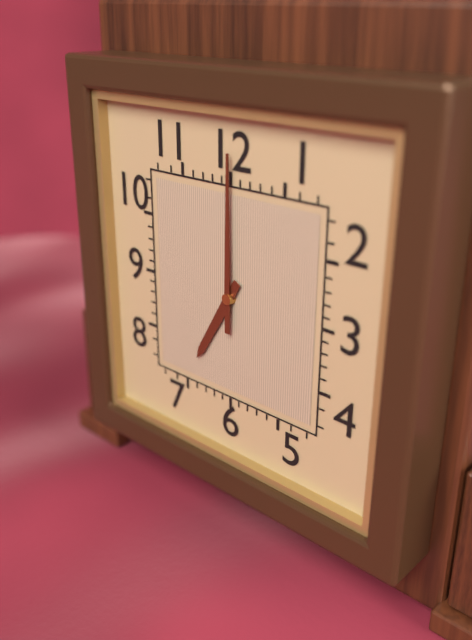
7,00
